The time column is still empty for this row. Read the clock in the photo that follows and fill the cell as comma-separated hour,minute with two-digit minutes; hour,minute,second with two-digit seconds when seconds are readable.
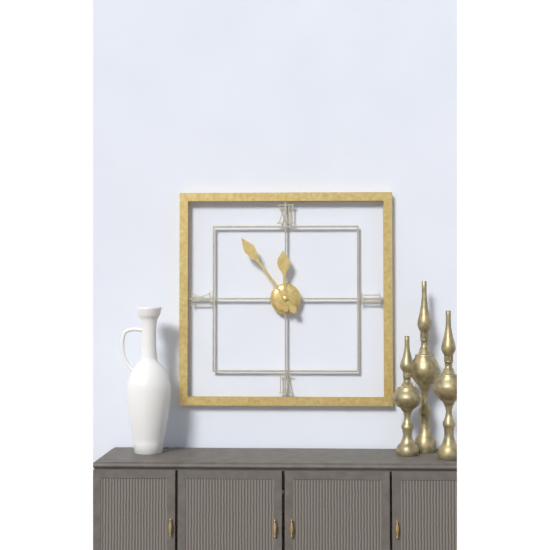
11,54
